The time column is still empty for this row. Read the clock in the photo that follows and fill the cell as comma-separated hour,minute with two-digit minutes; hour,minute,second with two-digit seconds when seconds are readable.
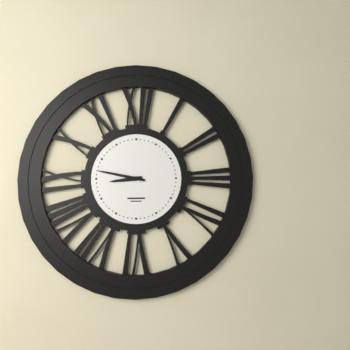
8,47
